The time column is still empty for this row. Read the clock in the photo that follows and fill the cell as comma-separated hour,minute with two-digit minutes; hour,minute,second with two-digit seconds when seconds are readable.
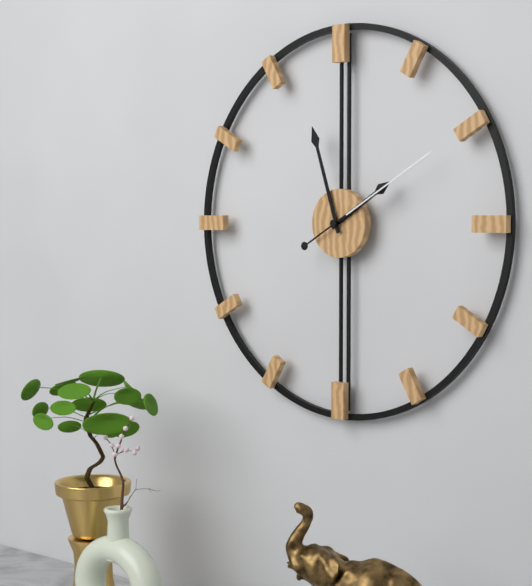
1,57,10
